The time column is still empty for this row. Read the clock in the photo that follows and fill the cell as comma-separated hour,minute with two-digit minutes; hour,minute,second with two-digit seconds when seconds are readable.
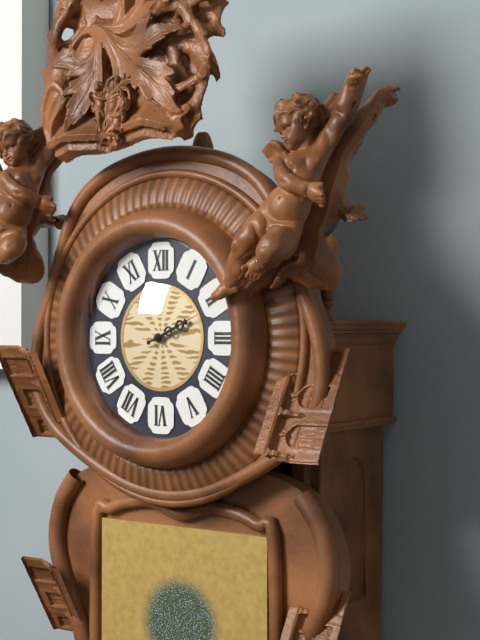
2,11
